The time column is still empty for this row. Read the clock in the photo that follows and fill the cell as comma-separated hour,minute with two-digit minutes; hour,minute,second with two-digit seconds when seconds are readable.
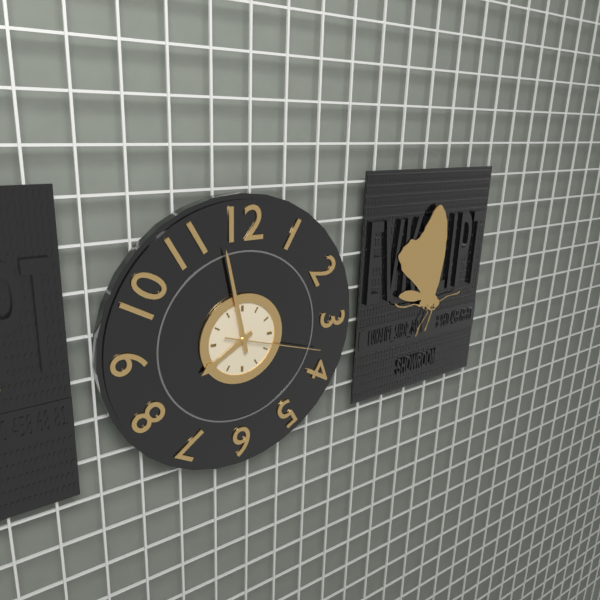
7,58,18
